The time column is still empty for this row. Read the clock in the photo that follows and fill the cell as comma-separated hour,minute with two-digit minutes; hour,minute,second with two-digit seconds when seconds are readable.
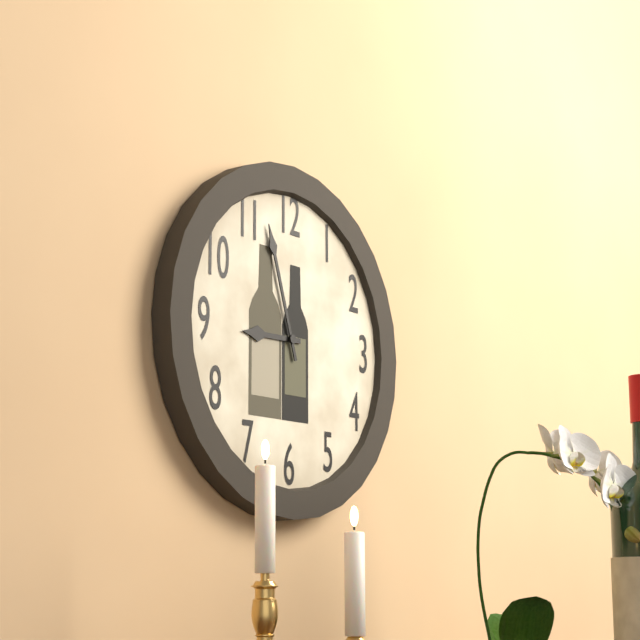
8,57
